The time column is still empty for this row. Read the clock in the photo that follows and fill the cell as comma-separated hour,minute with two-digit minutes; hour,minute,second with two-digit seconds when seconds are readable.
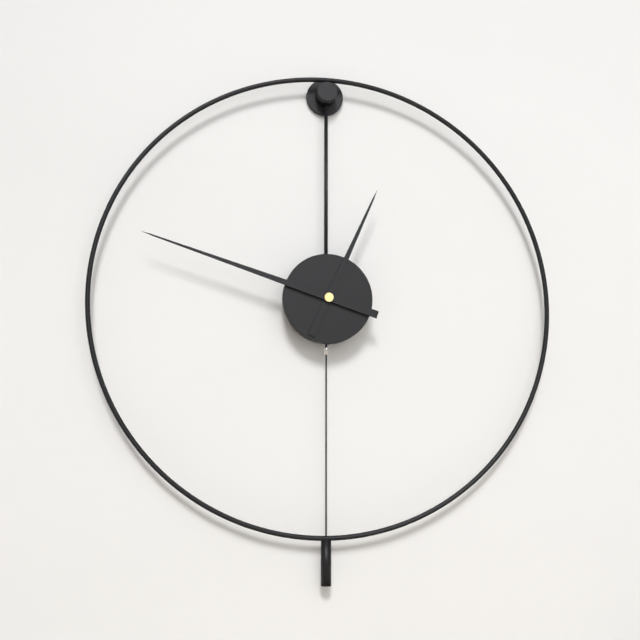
12,48
